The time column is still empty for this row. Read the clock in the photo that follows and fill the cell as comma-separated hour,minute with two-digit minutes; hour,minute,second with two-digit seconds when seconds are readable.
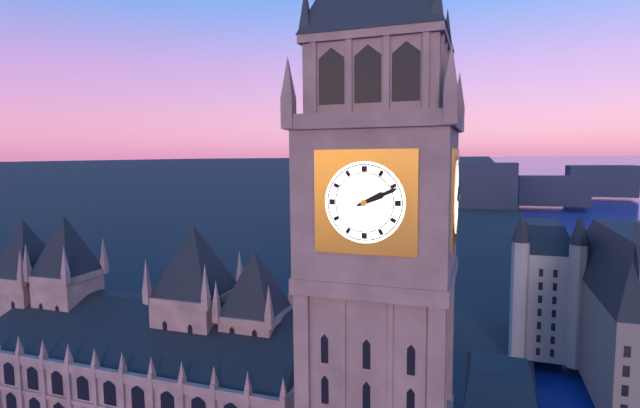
2,11
